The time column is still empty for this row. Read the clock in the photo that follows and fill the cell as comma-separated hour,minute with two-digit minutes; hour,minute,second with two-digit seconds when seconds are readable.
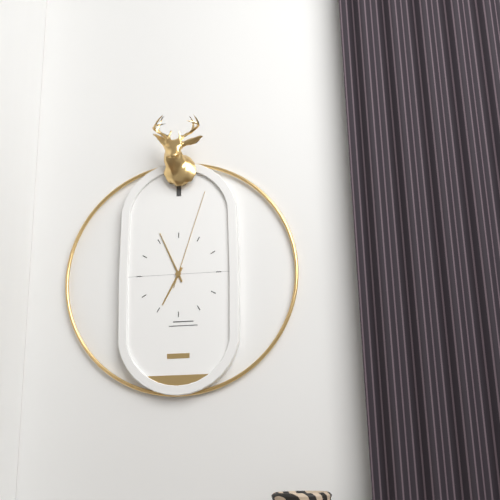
6,56,03
